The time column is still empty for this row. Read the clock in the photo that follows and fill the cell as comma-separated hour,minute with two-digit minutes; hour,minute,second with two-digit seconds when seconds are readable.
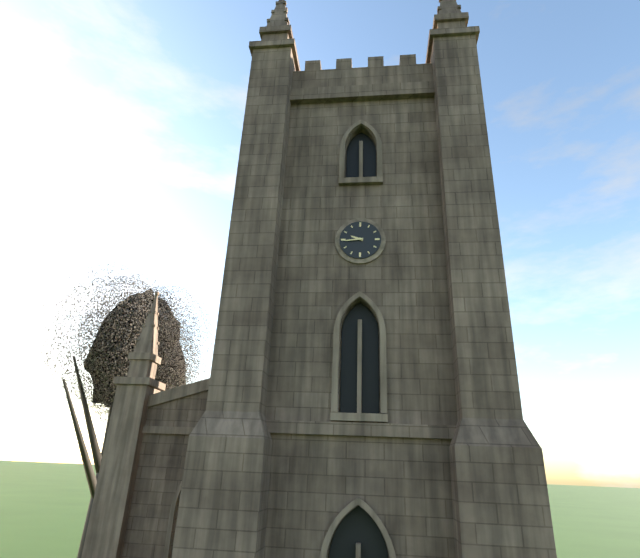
9,44
